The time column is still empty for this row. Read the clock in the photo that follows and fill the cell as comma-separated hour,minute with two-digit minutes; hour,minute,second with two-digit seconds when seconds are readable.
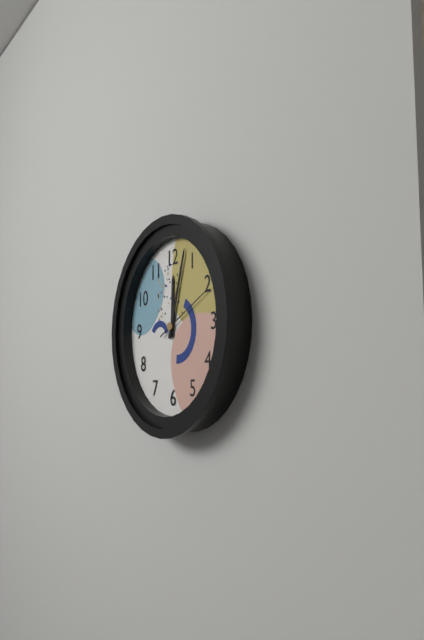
12,03,11
